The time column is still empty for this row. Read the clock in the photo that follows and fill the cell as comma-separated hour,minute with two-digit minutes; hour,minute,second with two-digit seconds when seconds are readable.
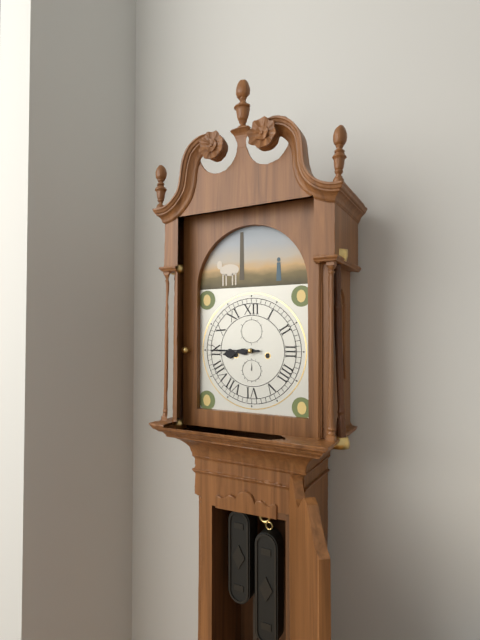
8,45
